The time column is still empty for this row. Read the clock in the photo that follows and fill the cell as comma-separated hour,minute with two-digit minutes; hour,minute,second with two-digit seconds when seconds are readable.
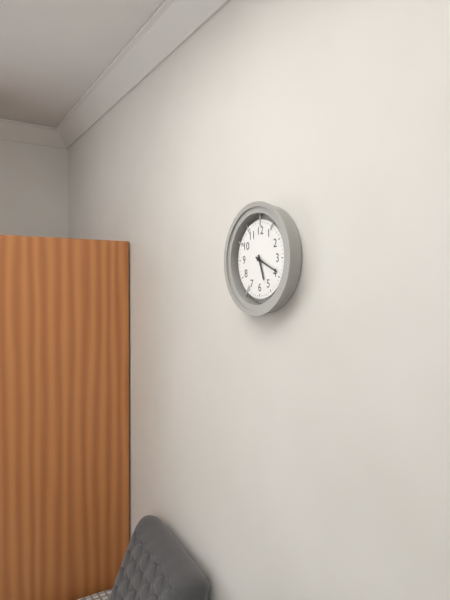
5,19
